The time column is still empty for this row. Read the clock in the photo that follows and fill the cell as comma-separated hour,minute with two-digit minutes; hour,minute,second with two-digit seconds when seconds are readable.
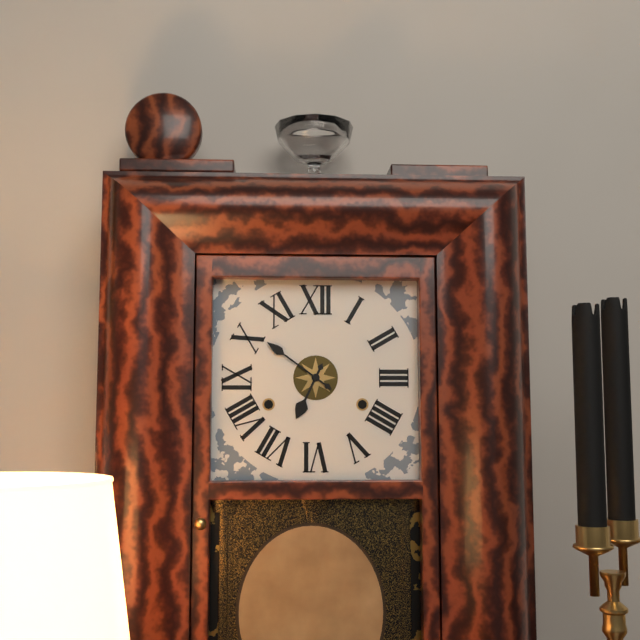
6,51
